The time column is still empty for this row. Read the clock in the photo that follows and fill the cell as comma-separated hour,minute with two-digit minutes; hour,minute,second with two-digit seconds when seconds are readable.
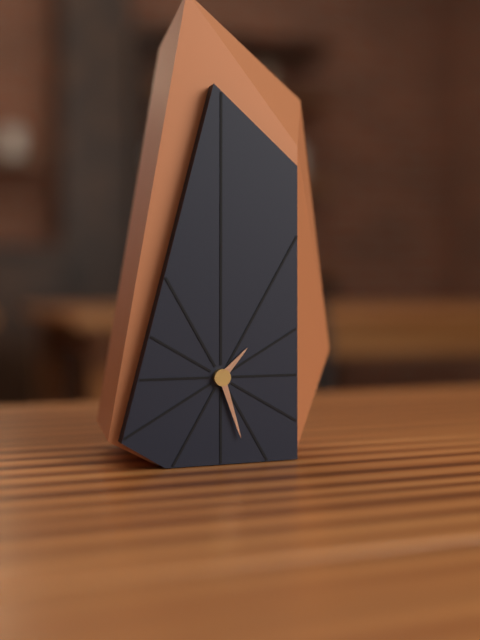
1,27
